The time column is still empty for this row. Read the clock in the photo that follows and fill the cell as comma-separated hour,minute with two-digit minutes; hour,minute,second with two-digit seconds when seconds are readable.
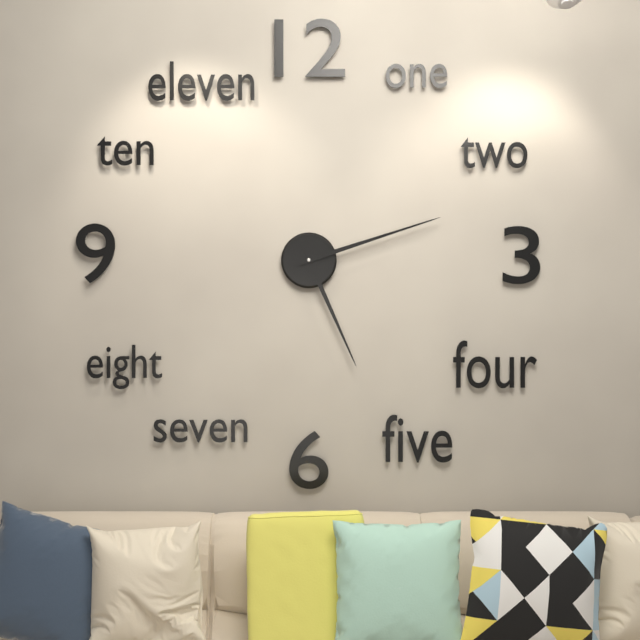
5,12
